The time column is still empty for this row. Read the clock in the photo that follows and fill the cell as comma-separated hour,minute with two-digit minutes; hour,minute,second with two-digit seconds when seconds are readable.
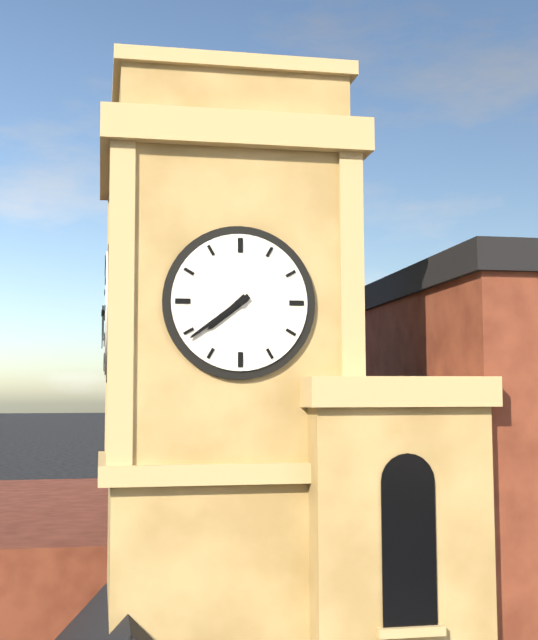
7,39
